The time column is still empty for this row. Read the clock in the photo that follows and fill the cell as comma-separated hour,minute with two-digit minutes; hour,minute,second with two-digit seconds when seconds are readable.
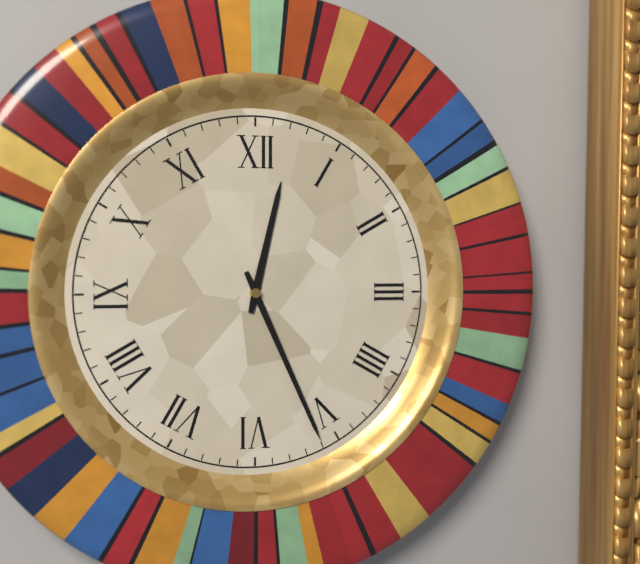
12,26
